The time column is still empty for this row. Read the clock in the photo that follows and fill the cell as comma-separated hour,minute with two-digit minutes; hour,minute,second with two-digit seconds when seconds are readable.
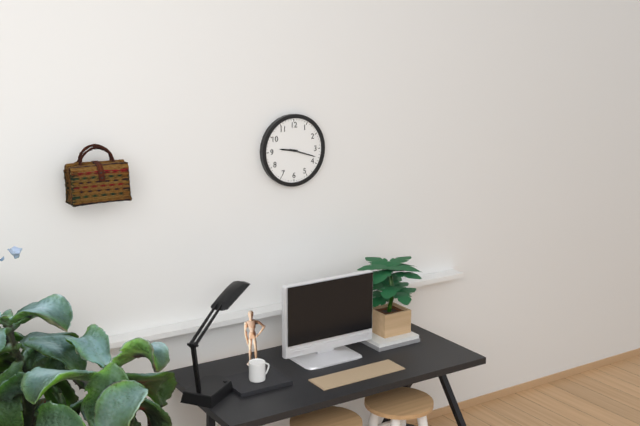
9,18
